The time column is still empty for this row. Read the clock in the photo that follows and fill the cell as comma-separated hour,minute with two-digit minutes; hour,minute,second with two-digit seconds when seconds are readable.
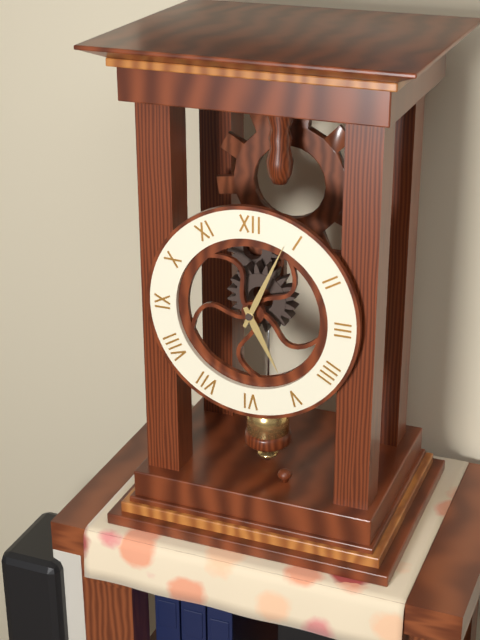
5,04
